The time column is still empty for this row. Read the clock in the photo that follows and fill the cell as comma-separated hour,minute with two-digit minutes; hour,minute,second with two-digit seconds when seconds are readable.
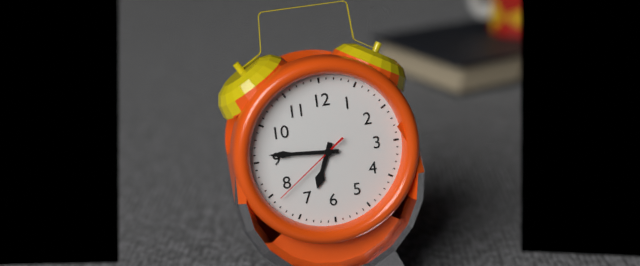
6,46,39
